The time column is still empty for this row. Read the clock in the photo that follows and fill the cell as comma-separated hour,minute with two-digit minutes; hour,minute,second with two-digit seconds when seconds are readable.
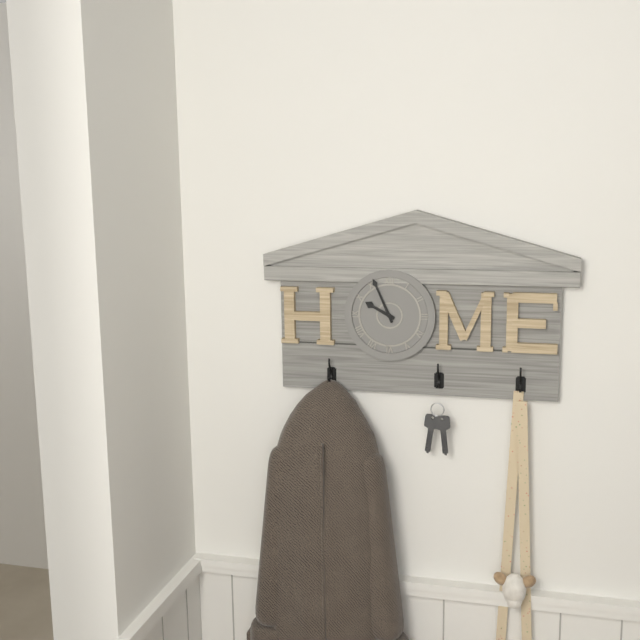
9,56
